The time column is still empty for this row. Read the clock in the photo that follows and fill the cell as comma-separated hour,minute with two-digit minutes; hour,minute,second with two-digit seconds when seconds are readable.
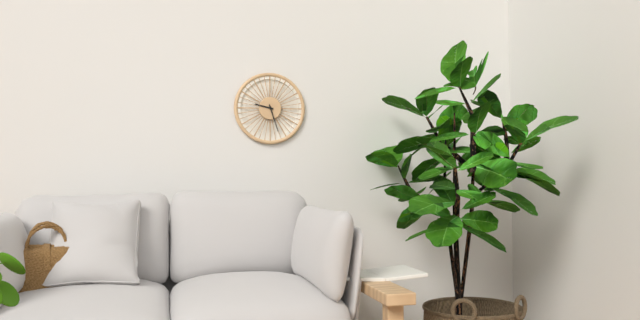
9,27
